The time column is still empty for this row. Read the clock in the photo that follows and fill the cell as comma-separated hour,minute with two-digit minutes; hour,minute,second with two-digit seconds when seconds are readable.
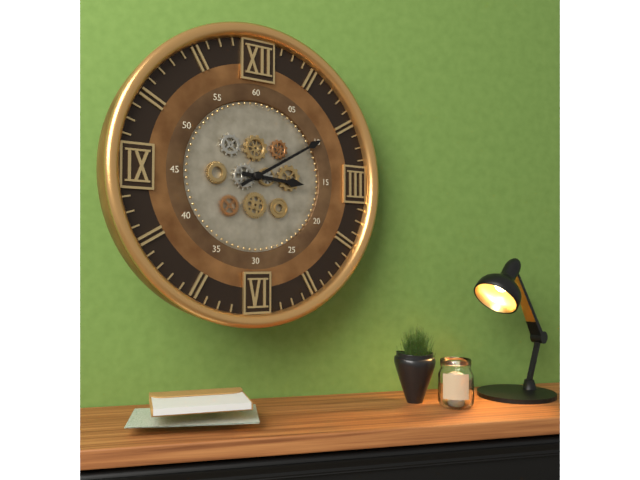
3,10
